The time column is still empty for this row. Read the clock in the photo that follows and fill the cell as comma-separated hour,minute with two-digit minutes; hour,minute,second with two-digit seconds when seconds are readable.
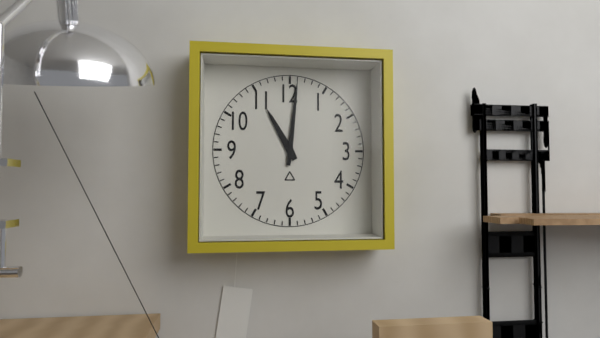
11,01
